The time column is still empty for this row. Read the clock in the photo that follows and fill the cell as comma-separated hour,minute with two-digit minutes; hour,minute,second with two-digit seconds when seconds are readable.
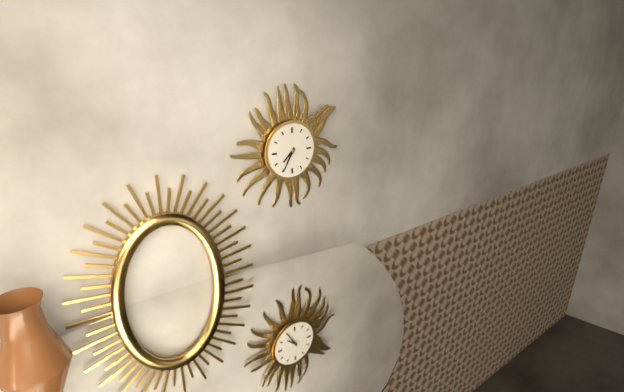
7,35
